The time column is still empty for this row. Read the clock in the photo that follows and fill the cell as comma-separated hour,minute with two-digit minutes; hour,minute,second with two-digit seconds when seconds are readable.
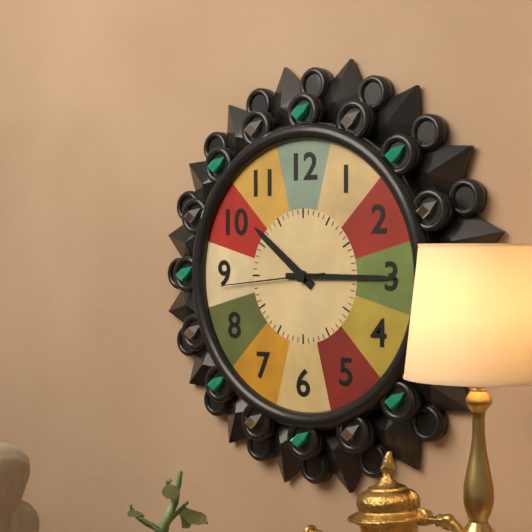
10,15,44
